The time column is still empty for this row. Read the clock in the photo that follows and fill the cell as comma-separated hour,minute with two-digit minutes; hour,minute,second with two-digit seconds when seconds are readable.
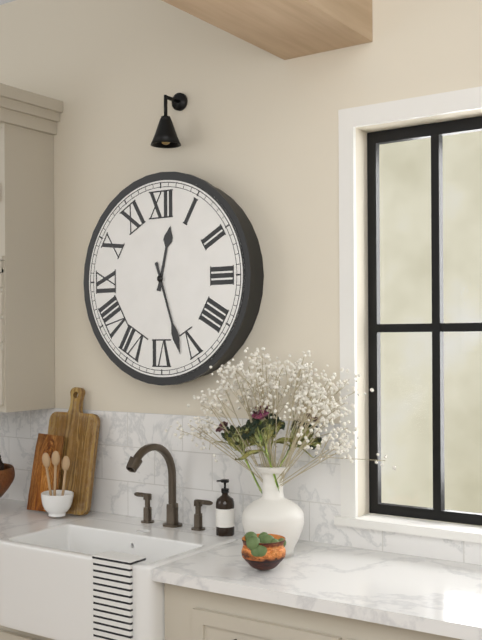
12,27
